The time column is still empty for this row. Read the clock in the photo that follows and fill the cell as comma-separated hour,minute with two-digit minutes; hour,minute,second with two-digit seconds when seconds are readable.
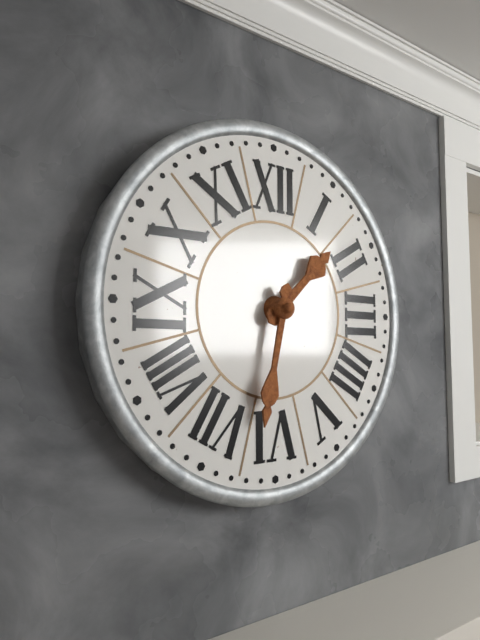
1,32
